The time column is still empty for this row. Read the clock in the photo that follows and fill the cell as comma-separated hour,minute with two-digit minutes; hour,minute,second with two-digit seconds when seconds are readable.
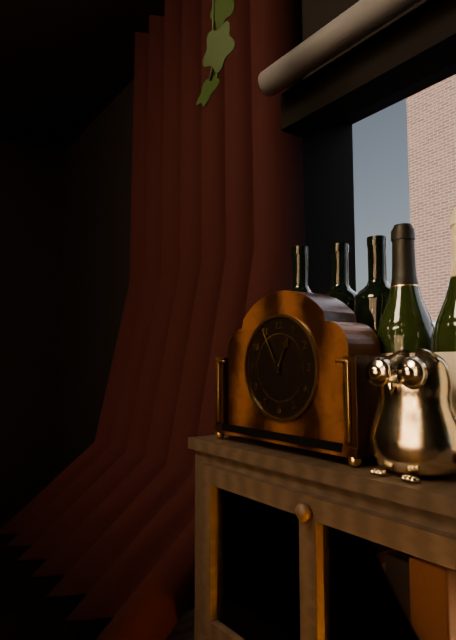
12,55
